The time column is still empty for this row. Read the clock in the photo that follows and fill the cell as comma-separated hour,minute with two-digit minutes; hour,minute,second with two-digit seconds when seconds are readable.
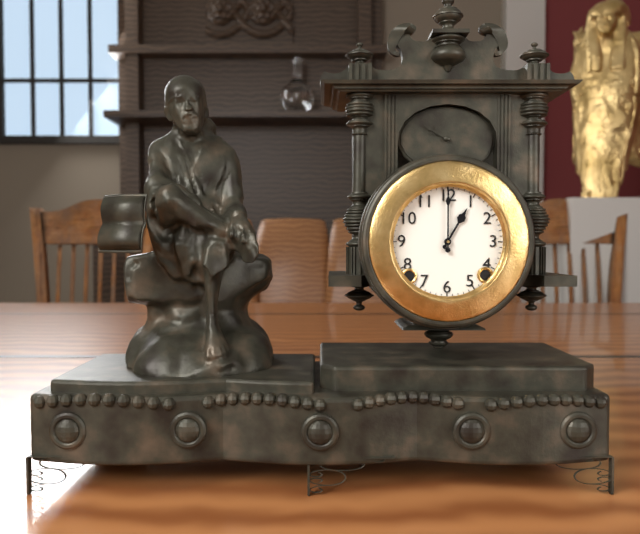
1,00
